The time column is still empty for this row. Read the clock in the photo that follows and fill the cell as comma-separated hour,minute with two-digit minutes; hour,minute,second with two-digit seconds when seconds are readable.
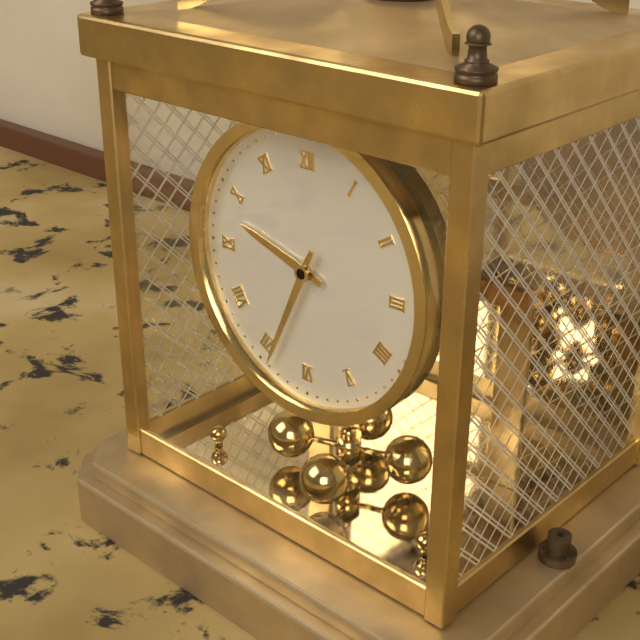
9,34
